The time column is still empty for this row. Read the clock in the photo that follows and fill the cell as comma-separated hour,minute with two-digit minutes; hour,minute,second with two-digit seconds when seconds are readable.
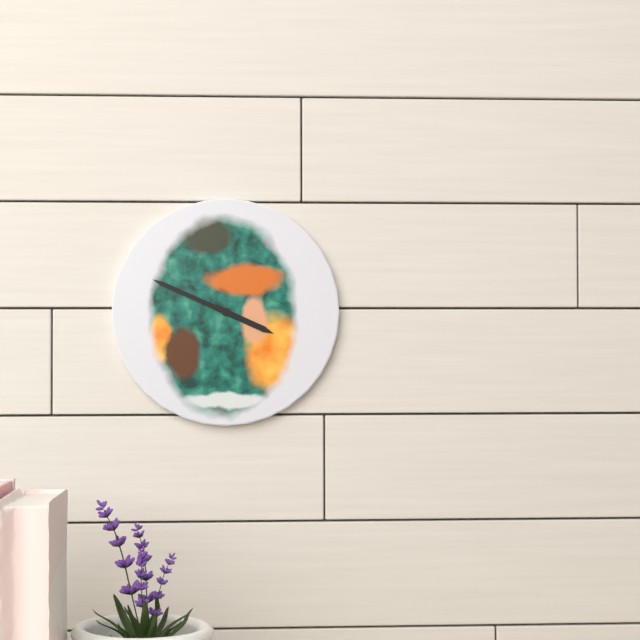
3,49
